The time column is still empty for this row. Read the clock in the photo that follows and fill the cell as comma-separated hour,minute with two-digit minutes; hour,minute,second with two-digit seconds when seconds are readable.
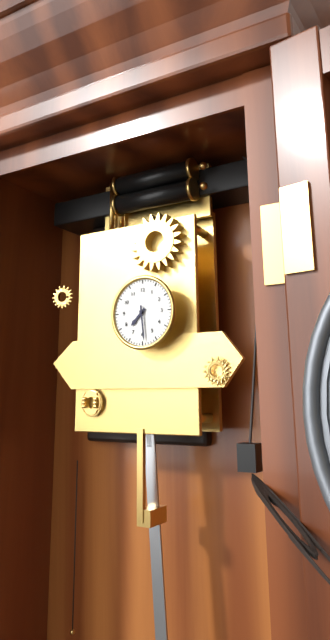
7,29
